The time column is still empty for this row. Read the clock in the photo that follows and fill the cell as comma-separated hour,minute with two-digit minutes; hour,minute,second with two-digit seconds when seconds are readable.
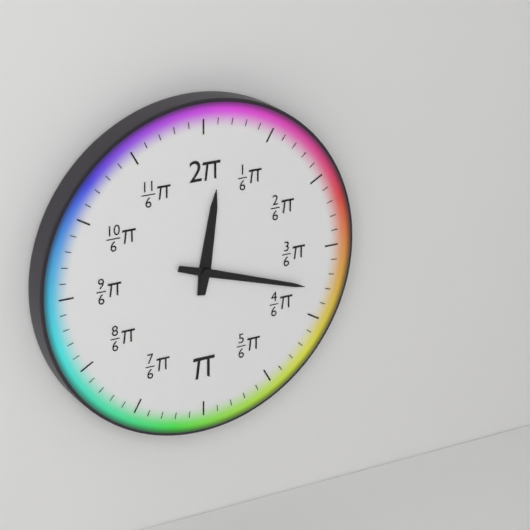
12,18
